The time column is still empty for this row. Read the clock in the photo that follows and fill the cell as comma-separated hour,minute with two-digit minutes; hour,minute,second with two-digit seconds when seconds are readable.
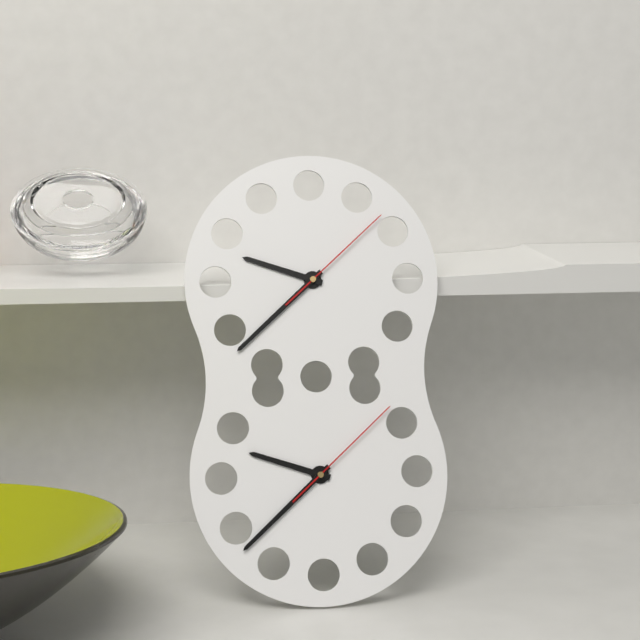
9,38,08
